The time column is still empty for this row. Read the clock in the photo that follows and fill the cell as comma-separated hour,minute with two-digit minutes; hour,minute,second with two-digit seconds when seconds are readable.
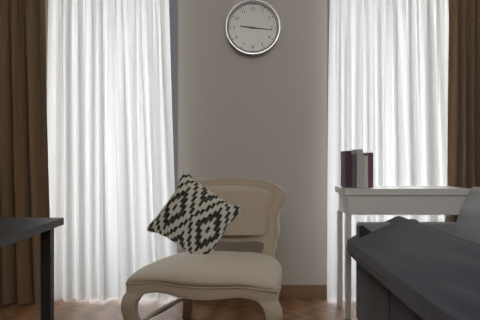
9,16
